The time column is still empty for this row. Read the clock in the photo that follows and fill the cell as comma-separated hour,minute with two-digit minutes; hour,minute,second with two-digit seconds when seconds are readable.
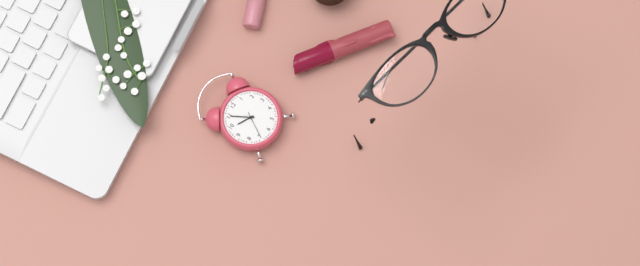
9,55
